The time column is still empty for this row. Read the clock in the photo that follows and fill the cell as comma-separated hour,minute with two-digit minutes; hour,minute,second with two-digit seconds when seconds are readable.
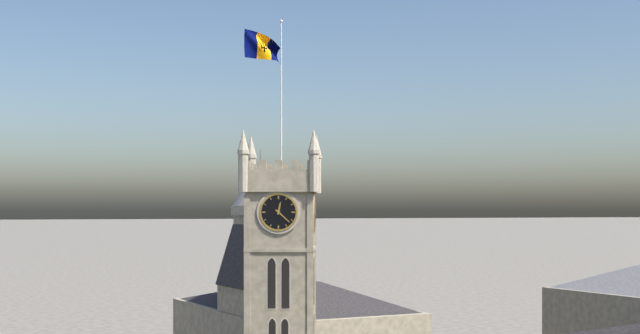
12,22
